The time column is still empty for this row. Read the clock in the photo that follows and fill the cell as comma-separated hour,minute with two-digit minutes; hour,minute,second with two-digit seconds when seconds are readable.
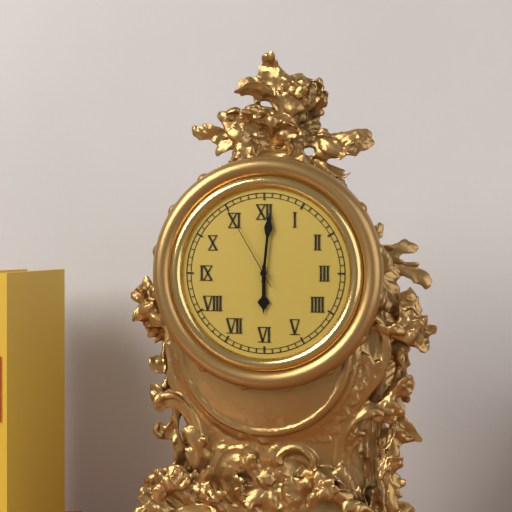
6,01,55
